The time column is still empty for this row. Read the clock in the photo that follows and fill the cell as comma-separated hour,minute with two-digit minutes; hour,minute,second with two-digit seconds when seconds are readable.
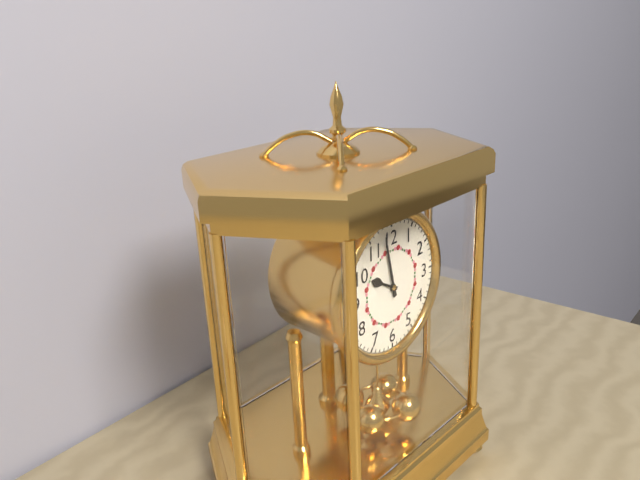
9,58
